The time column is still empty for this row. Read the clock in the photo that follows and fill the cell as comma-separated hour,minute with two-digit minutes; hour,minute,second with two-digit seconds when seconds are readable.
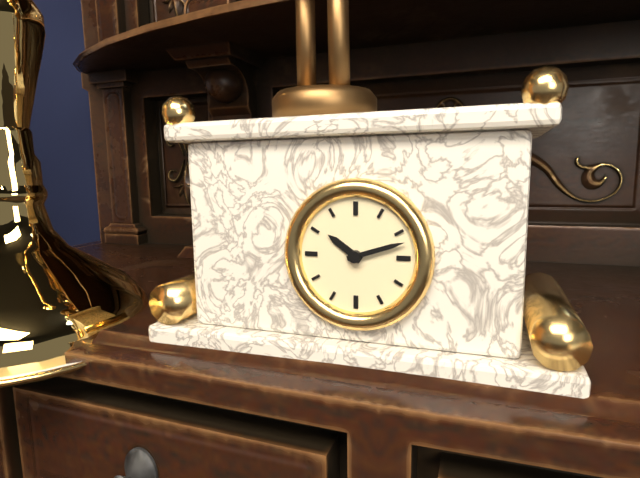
10,12
